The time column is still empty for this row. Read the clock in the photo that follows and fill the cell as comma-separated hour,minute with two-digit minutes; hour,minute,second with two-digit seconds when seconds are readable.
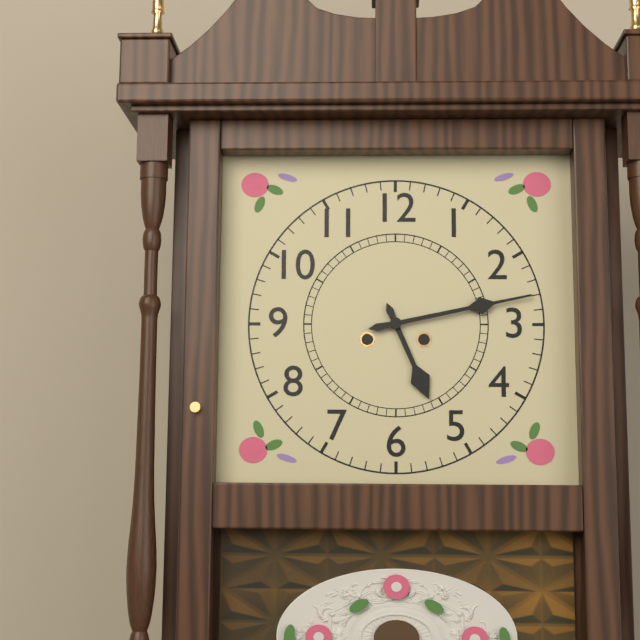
5,13
